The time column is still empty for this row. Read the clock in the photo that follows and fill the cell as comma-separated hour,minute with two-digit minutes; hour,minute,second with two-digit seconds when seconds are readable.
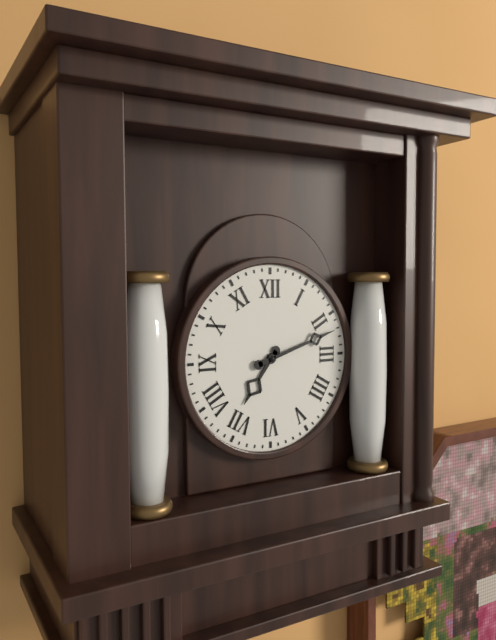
7,12
